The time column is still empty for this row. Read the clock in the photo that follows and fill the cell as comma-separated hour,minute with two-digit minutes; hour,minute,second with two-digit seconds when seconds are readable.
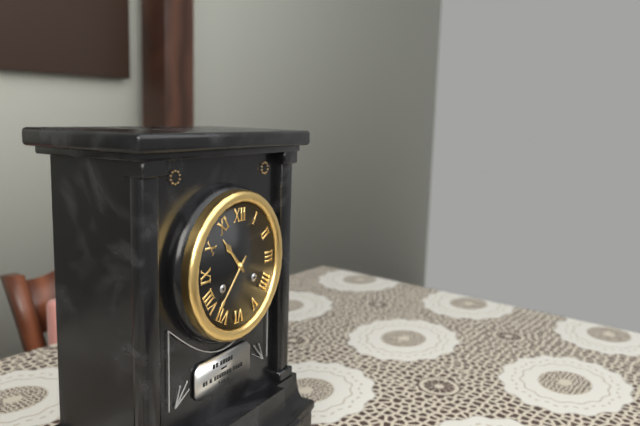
10,37
